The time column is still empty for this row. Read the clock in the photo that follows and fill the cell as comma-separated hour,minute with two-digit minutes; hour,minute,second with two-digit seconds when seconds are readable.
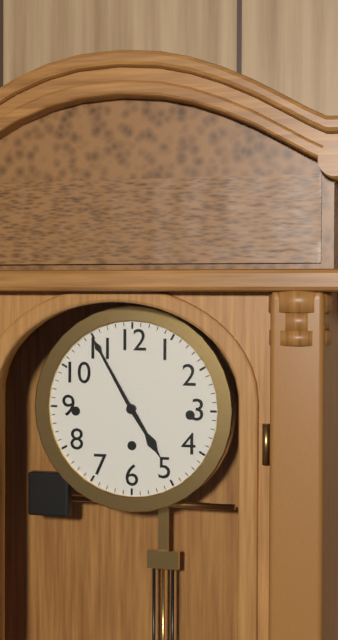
4,55
